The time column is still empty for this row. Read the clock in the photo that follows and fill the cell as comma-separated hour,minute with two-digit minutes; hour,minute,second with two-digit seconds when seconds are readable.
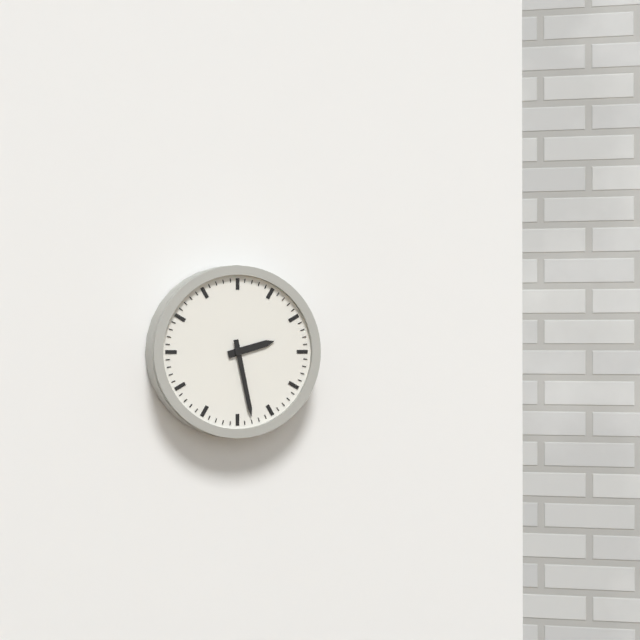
2,28
